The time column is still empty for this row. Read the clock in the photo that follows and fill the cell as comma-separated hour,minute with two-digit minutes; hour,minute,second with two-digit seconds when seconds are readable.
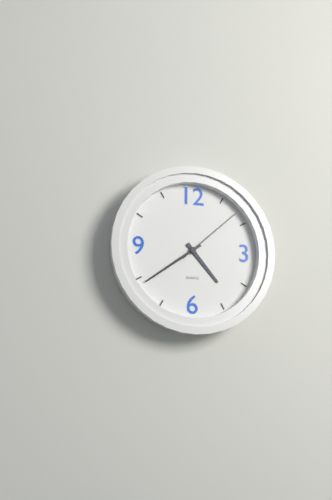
4,39,08
